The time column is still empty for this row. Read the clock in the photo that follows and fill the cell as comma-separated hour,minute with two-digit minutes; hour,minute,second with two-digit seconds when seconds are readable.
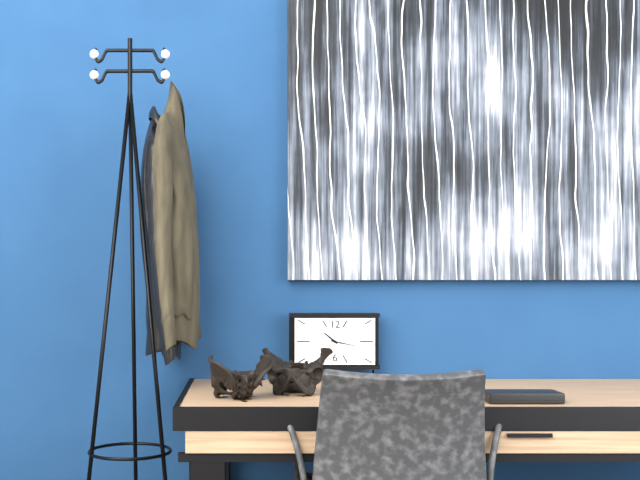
10,17
